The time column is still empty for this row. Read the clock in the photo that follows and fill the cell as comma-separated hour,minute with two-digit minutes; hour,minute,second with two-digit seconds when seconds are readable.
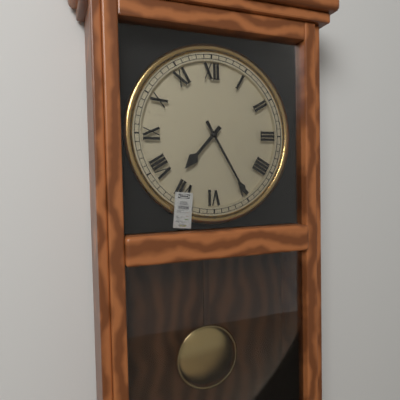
7,25
